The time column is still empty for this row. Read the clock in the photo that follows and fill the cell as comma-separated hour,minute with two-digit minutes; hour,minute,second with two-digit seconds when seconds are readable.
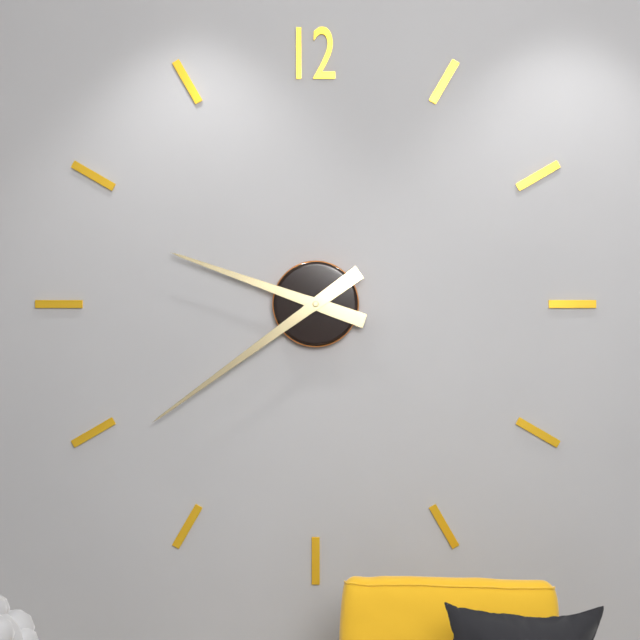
9,39
